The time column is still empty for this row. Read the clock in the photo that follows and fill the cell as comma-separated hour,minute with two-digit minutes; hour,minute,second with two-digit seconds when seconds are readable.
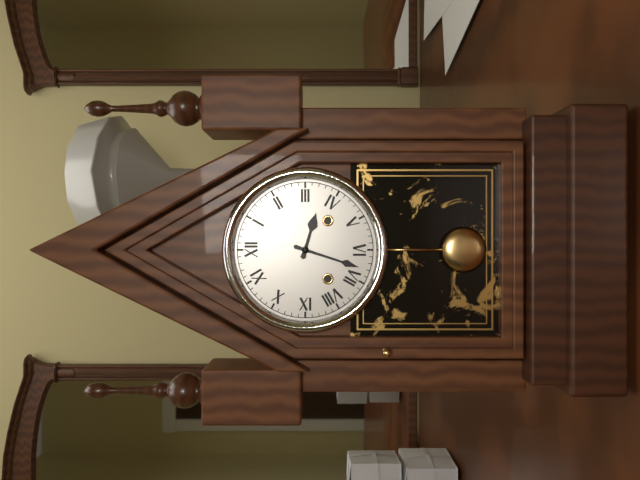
3,33
